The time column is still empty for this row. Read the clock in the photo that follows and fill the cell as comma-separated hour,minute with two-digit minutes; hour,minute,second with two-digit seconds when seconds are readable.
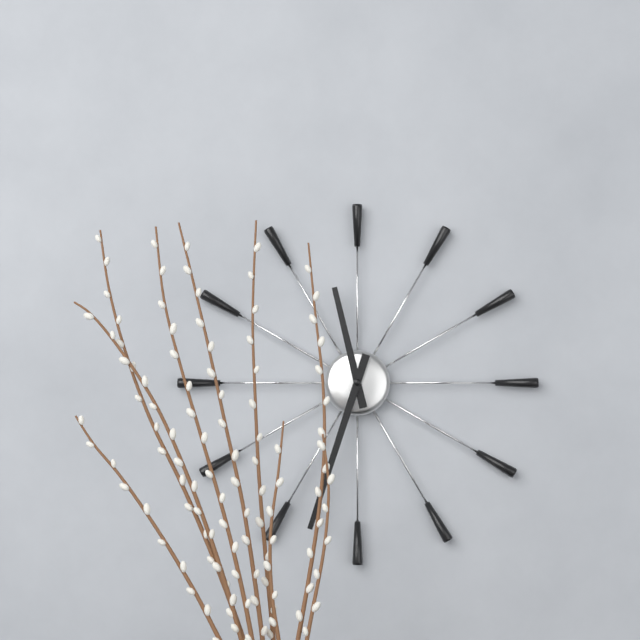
11,33
